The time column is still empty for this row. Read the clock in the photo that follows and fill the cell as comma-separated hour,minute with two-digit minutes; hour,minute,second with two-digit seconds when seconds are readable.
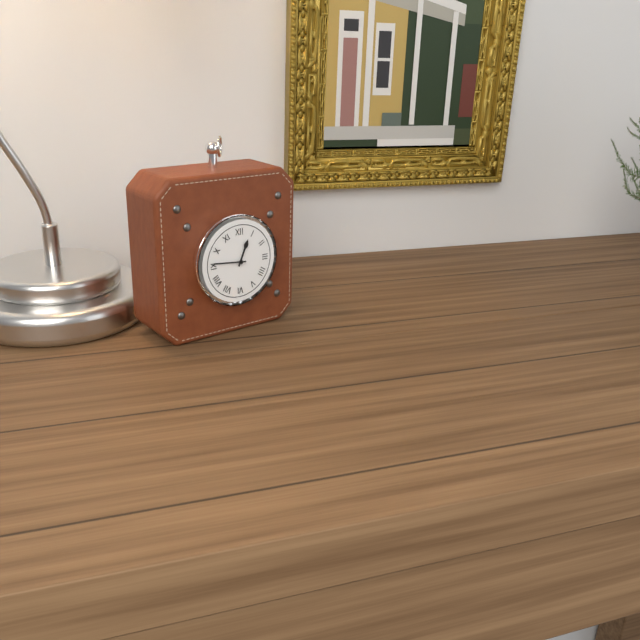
12,46
